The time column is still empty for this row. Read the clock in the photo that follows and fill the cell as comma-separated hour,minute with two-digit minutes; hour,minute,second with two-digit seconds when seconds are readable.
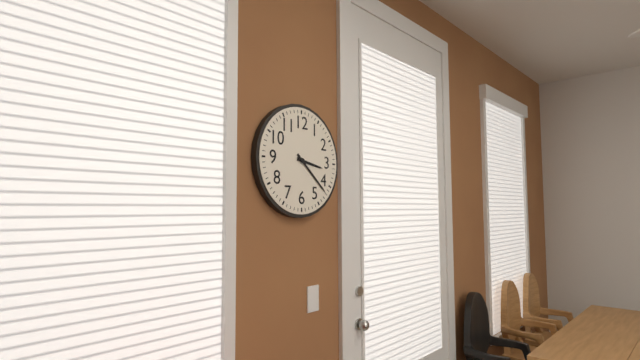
3,22
